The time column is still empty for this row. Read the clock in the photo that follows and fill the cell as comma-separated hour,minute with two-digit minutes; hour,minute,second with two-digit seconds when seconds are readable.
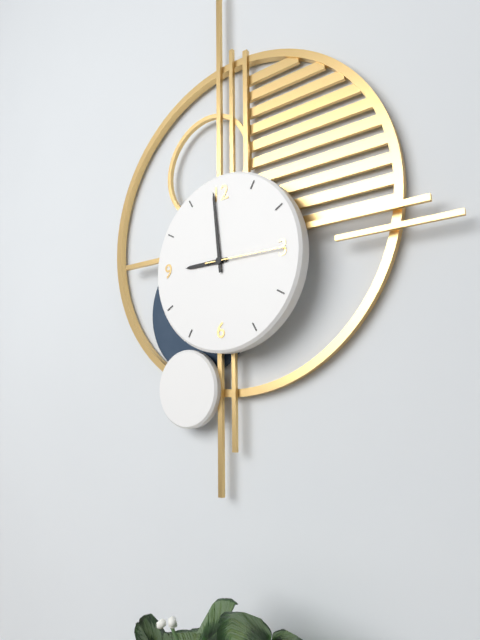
8,59,15
